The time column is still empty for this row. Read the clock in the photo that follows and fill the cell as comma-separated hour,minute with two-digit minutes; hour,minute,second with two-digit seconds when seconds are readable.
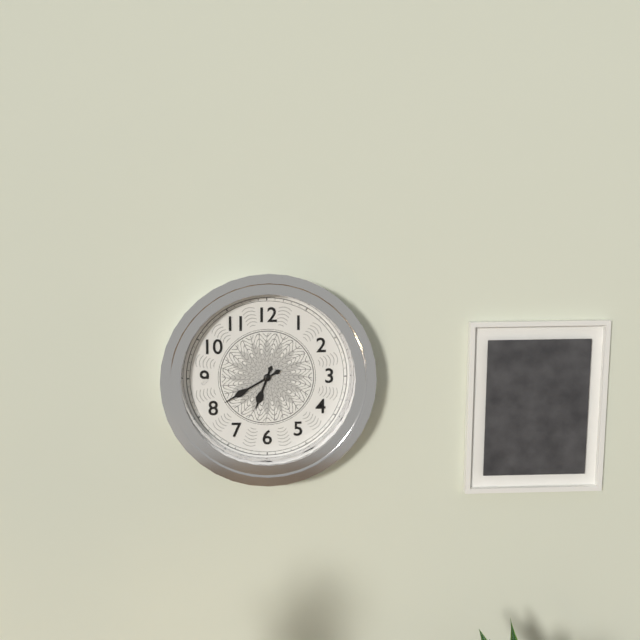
6,40
